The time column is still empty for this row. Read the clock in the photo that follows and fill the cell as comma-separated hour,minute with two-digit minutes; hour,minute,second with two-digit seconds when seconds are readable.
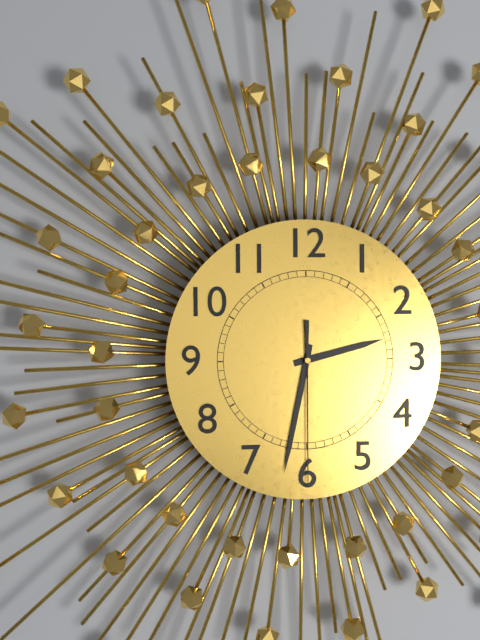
2,32,30
